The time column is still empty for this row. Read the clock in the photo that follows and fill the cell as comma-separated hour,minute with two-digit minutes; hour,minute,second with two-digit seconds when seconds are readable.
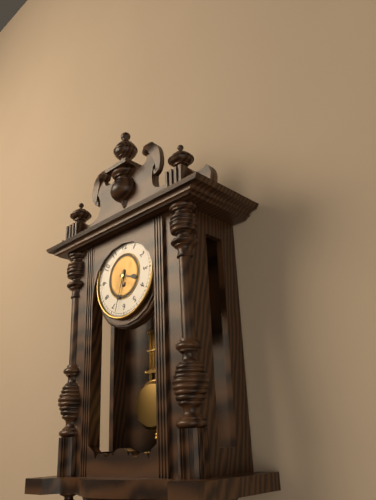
3,33
